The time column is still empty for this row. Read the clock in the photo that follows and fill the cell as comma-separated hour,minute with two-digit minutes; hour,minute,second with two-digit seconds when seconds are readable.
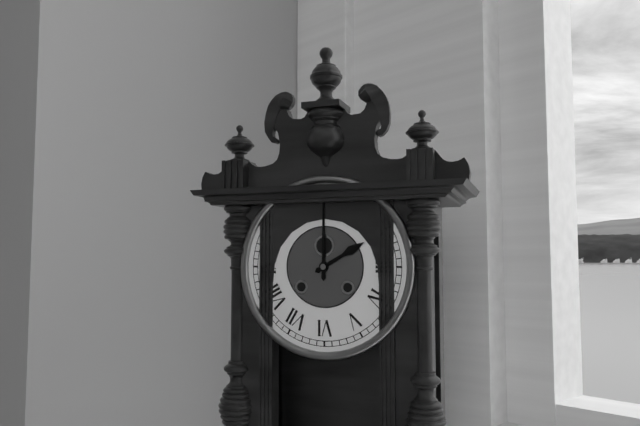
2,00
